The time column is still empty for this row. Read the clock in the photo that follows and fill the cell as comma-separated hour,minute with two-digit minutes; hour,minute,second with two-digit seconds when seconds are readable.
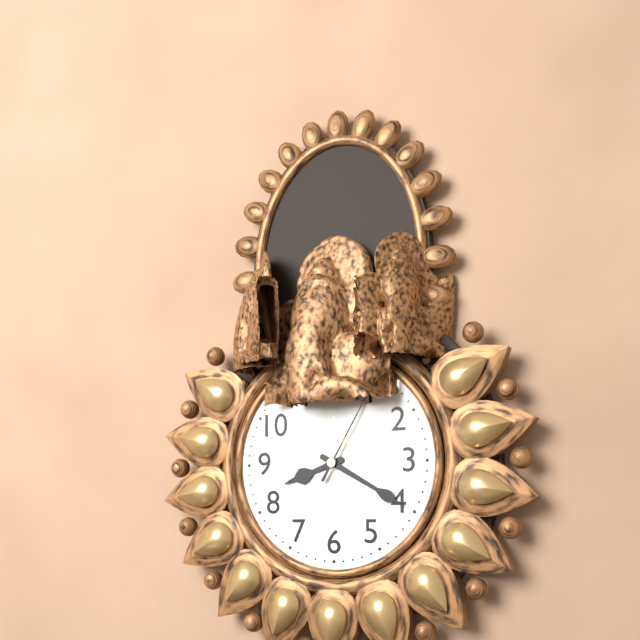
8,20,05
